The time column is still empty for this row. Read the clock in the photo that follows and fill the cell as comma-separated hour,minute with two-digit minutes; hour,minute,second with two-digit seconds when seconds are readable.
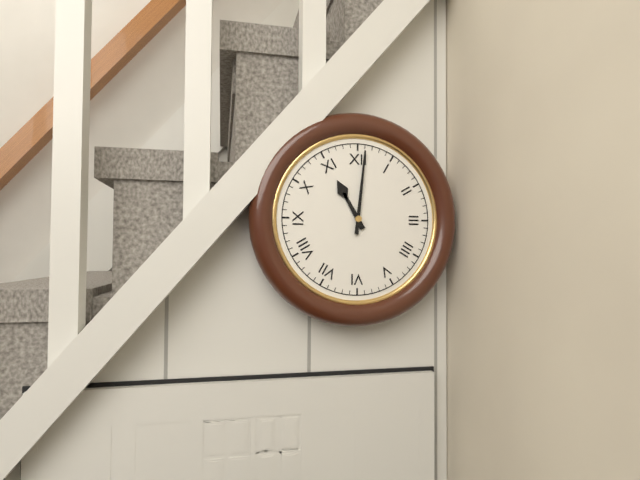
11,01
